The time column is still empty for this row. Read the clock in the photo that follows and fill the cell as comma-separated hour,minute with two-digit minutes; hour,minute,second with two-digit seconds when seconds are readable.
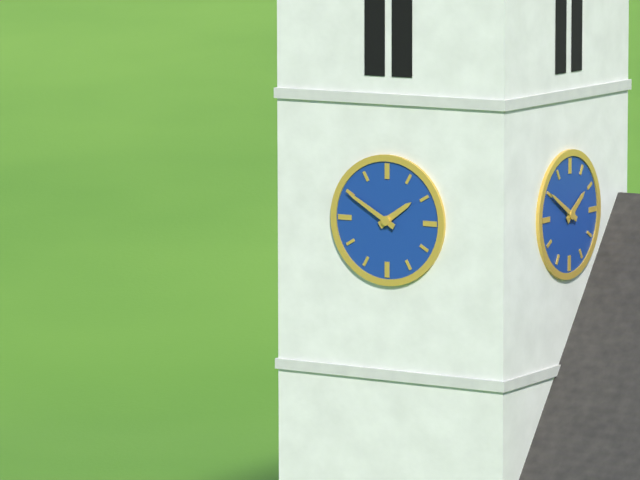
1,50
